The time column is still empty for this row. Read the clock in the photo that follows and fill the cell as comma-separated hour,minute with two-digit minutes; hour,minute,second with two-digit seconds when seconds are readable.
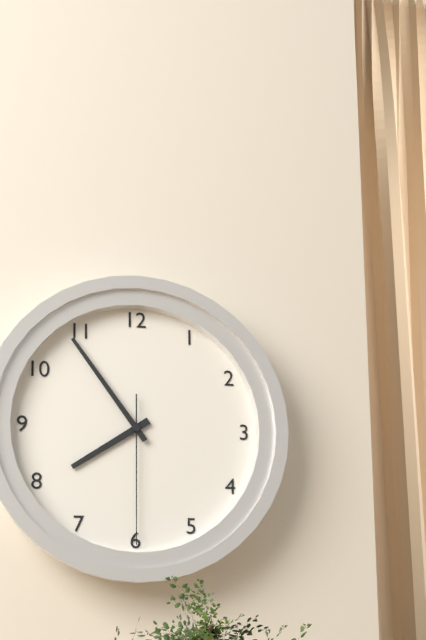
7,54,30
